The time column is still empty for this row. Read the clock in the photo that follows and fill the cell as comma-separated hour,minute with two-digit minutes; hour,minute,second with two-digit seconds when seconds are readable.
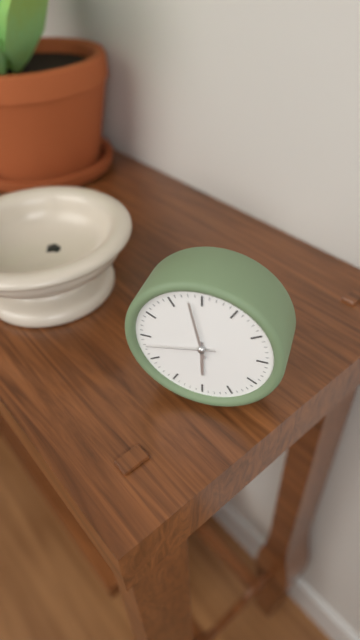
5,58,43
